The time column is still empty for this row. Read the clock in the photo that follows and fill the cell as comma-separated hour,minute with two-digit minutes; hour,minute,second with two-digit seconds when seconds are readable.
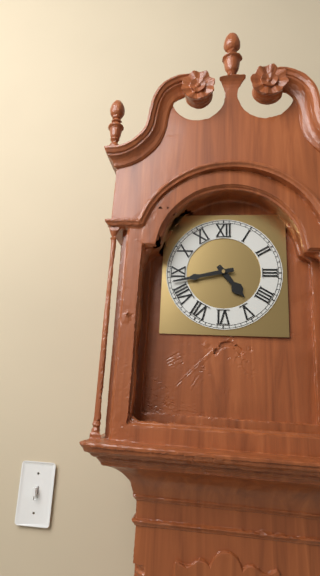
4,43
